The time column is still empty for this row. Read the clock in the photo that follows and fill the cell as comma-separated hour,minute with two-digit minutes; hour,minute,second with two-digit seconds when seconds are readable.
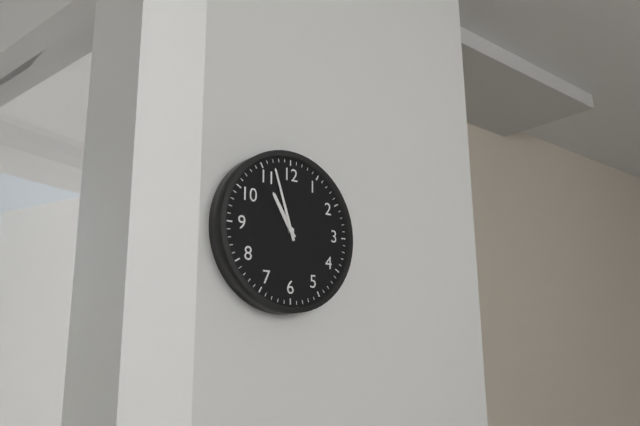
10,57
